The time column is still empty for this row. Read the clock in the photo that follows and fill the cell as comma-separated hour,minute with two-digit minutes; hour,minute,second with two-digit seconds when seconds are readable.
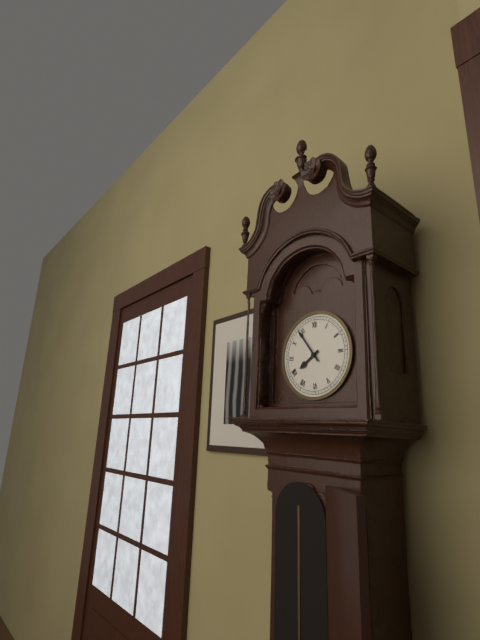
7,54
